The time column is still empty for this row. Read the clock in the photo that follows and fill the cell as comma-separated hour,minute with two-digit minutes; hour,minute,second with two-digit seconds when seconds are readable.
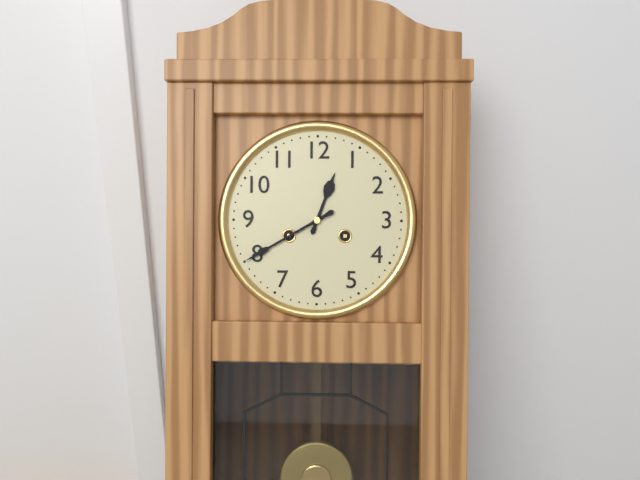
12,40
